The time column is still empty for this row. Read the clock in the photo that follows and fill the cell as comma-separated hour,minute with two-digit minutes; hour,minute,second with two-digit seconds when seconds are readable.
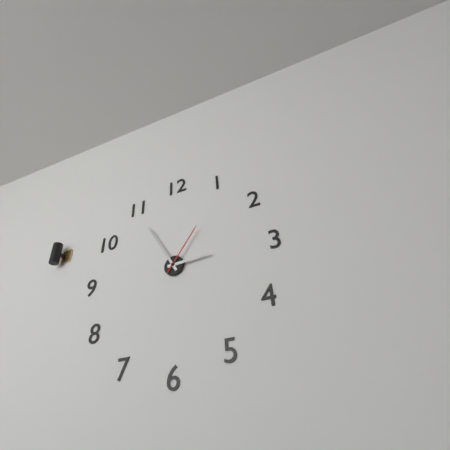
2,55,06
